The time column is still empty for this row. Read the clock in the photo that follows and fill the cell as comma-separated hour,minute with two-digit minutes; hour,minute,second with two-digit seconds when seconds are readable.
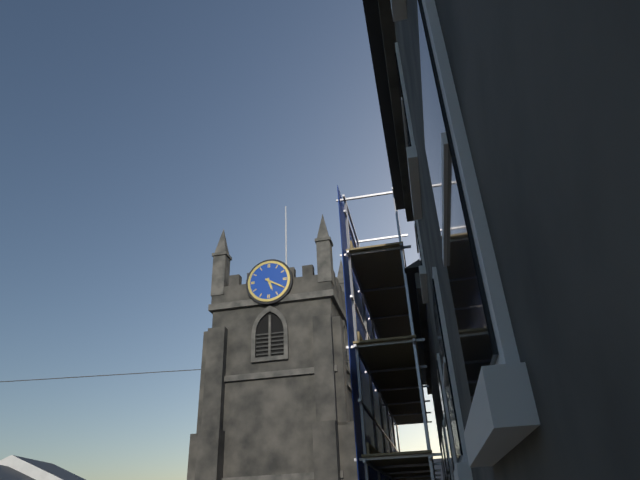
5,20
